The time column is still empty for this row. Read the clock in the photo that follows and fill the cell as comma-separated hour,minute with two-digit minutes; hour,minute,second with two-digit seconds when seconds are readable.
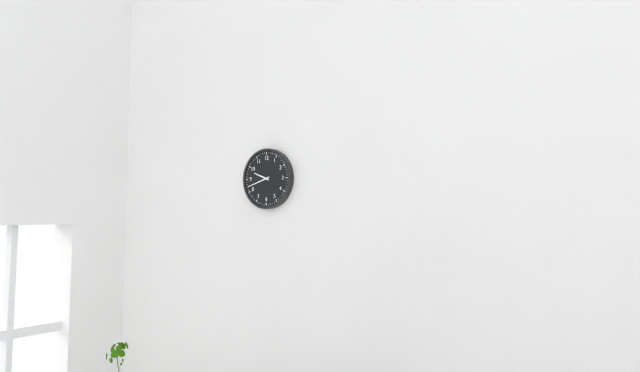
9,42
